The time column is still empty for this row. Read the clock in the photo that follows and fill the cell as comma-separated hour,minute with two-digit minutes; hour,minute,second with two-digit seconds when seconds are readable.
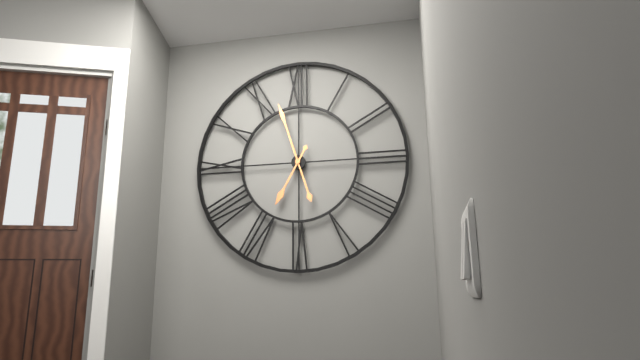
6,57
